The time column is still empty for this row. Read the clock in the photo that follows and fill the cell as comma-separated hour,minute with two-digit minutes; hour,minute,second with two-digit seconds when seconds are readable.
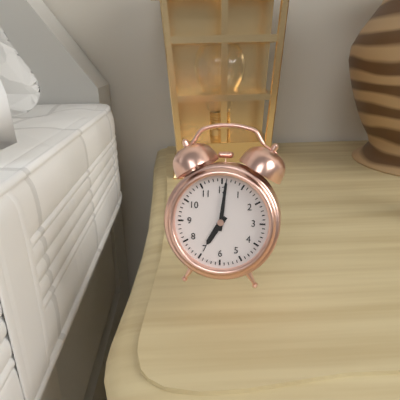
7,01
